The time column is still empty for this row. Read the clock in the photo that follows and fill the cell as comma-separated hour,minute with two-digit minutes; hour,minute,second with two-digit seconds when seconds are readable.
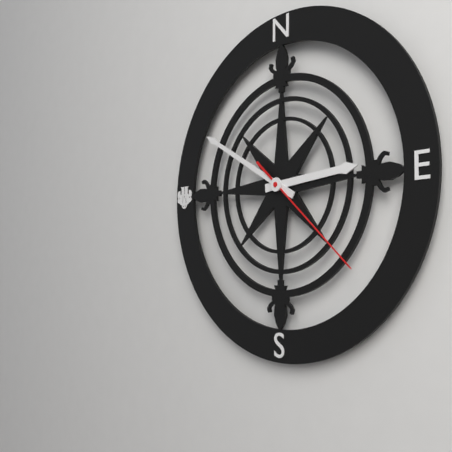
2,50,22
